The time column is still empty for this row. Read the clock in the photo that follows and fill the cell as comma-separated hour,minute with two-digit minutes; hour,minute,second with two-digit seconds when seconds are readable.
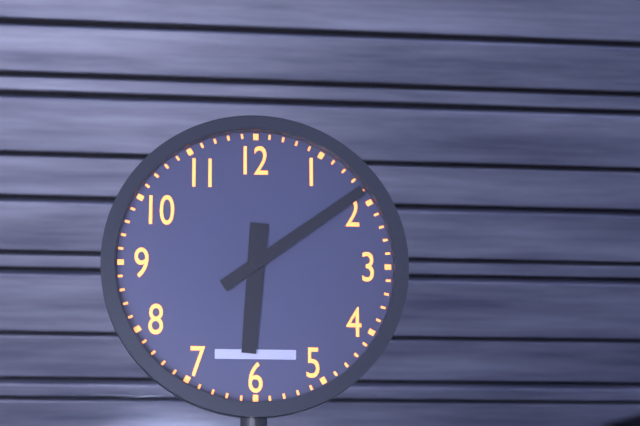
6,09
